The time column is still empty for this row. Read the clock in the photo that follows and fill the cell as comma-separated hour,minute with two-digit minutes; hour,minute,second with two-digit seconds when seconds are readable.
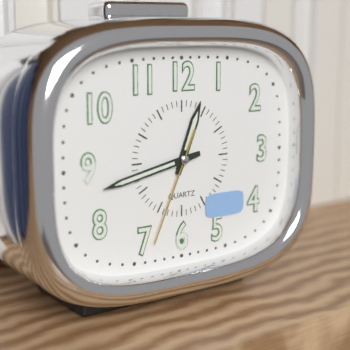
12,43,34
